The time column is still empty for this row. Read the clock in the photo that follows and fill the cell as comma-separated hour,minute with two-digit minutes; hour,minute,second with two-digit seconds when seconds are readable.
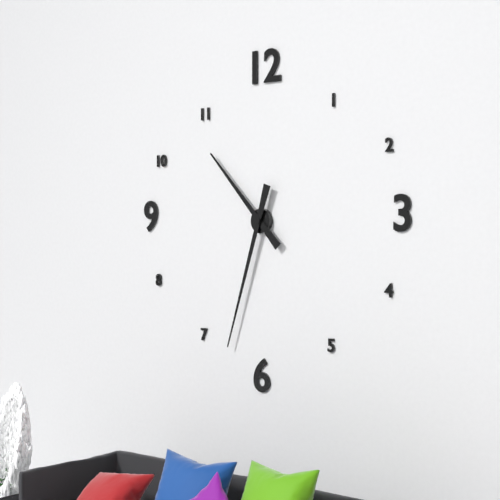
10,33
